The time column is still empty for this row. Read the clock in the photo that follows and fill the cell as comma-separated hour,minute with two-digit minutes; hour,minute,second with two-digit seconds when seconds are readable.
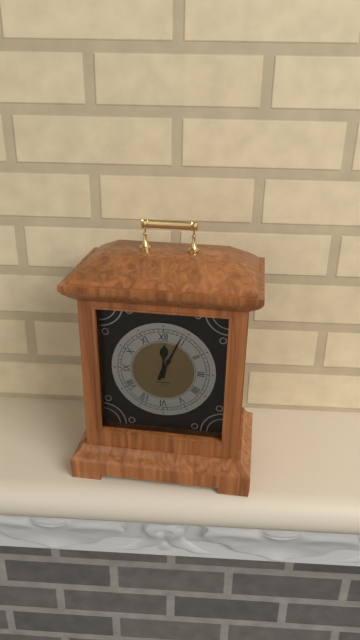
12,04
